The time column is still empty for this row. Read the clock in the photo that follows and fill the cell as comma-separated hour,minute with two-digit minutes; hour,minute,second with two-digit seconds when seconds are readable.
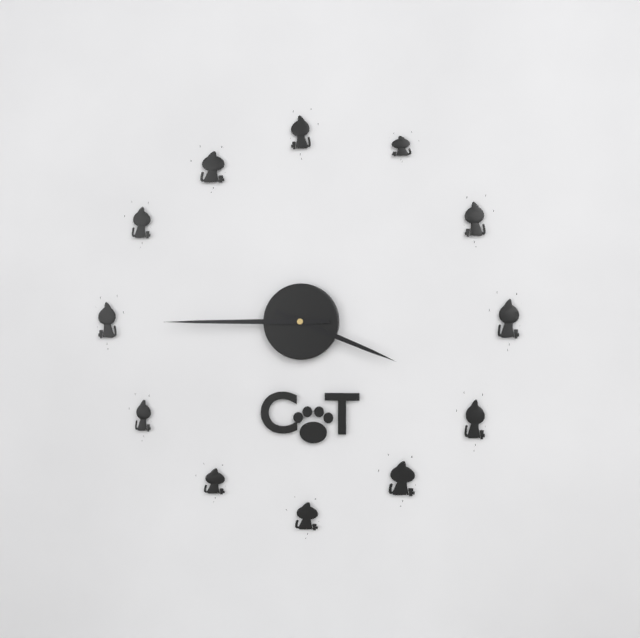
3,45
